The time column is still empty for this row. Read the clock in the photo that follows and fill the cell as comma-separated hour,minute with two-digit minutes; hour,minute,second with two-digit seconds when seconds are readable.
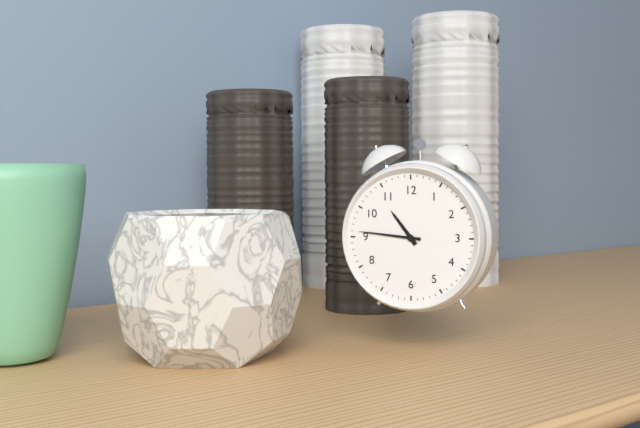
10,46
